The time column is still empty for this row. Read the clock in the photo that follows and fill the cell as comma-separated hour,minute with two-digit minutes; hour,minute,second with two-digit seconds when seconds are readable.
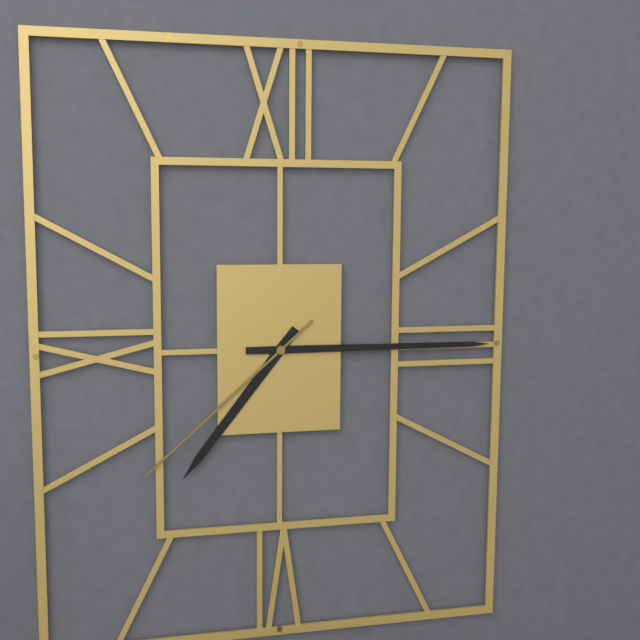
7,15,38
